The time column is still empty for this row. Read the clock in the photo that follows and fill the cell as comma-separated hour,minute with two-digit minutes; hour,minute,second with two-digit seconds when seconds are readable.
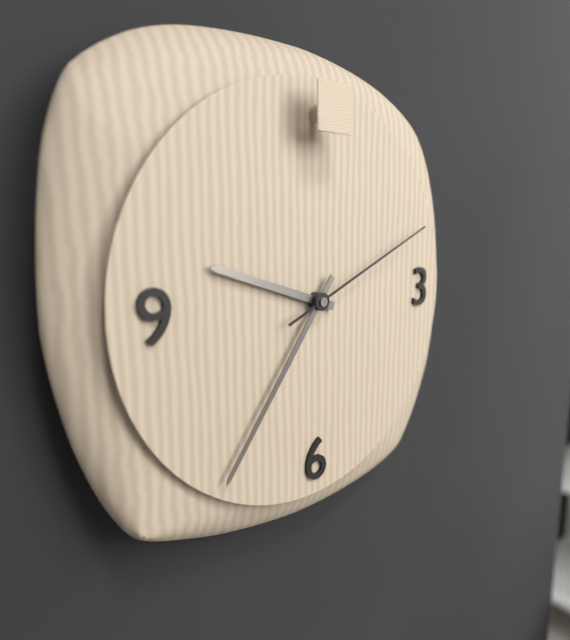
9,36,11
